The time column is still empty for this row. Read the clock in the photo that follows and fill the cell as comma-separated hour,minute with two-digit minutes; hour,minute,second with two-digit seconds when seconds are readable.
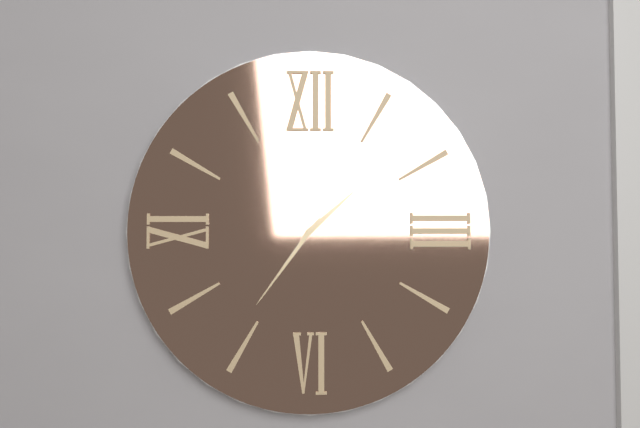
1,36
